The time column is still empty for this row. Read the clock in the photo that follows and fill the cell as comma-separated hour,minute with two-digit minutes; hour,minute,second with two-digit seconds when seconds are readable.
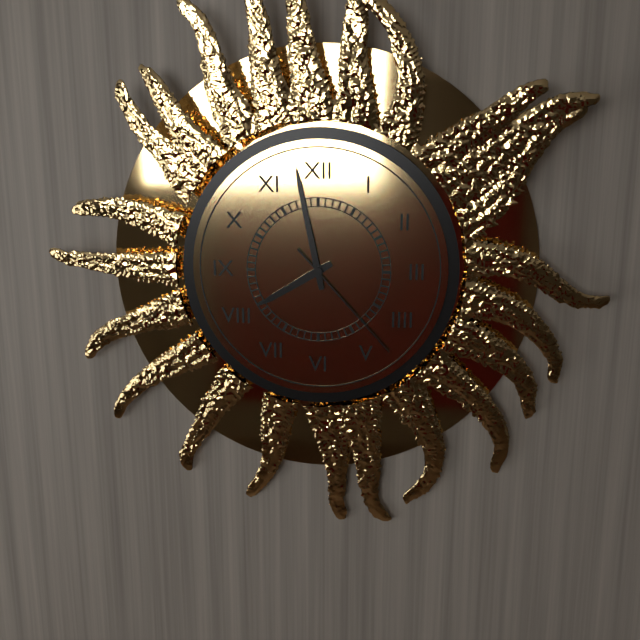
7,58,23
